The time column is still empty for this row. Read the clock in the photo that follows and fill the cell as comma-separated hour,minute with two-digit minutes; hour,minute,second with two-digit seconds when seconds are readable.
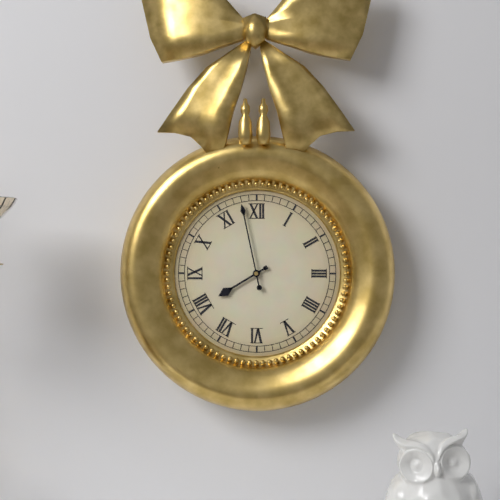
7,58
